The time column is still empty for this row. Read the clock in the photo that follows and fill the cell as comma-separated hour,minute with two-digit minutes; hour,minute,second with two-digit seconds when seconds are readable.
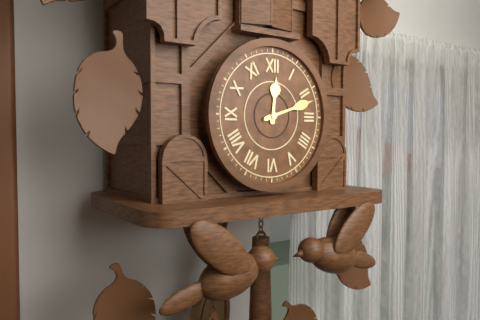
12,12
